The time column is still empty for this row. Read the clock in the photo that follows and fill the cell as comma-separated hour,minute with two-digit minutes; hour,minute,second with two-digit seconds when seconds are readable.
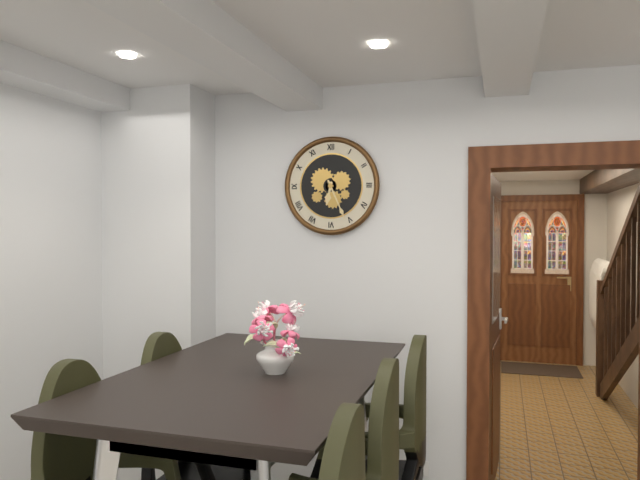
6,26
